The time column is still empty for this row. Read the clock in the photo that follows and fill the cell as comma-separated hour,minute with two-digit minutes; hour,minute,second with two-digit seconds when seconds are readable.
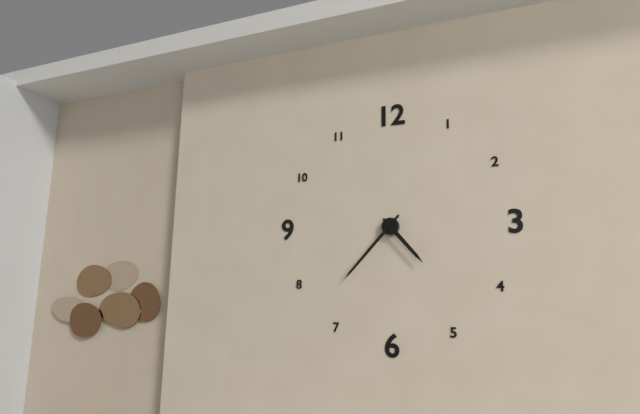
4,37
